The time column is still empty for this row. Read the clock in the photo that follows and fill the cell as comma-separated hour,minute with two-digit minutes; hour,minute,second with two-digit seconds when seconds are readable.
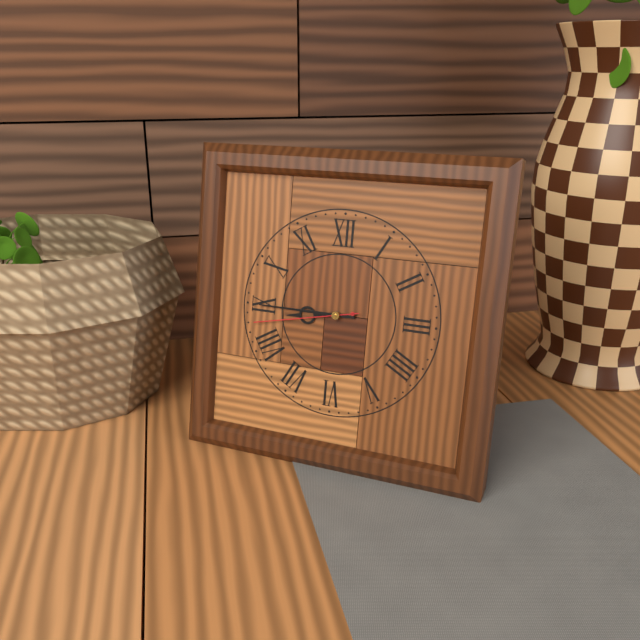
8,45,43
